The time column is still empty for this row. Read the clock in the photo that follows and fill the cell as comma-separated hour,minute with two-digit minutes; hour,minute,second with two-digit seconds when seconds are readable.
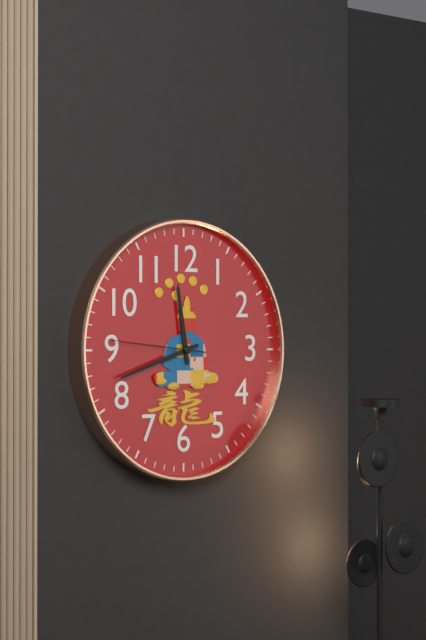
11,42,46
